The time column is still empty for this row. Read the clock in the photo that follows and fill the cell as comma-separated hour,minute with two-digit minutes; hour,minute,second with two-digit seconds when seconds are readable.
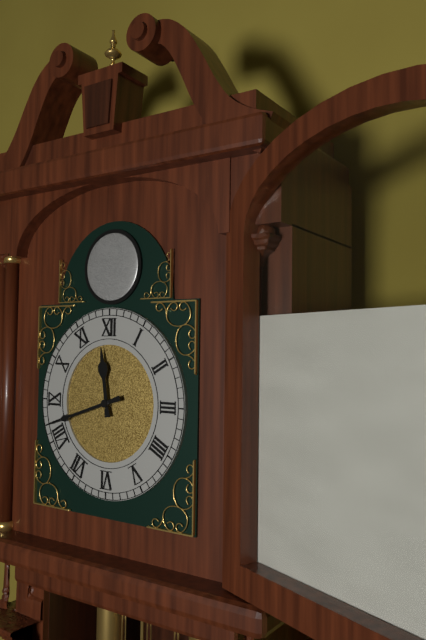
11,42
